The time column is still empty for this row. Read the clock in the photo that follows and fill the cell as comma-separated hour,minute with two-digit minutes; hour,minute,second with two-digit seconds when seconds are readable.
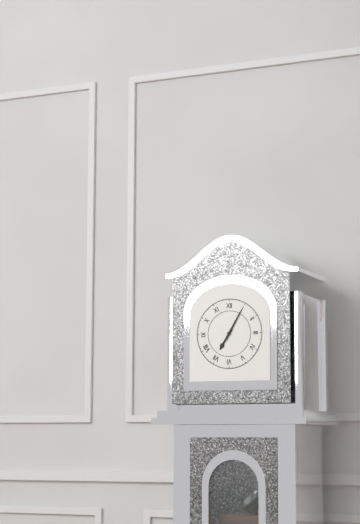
7,05
